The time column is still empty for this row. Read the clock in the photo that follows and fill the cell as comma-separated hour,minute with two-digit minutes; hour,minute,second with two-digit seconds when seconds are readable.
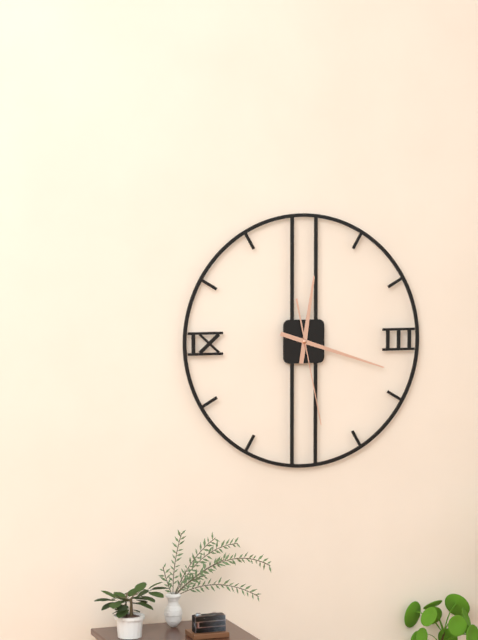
12,18,28
